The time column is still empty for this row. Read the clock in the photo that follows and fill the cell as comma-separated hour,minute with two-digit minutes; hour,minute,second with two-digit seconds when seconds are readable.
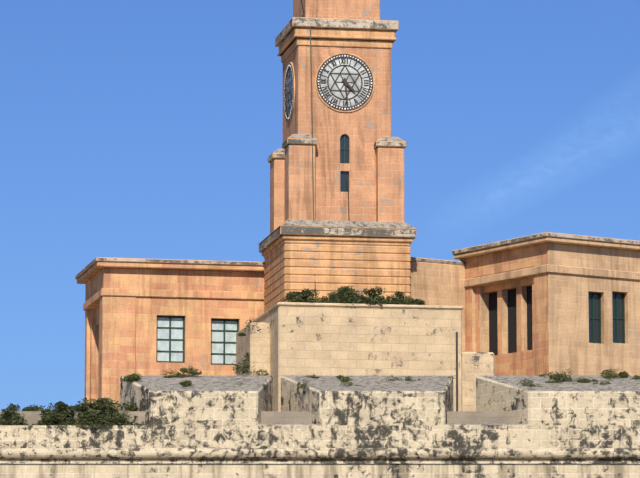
4,29
